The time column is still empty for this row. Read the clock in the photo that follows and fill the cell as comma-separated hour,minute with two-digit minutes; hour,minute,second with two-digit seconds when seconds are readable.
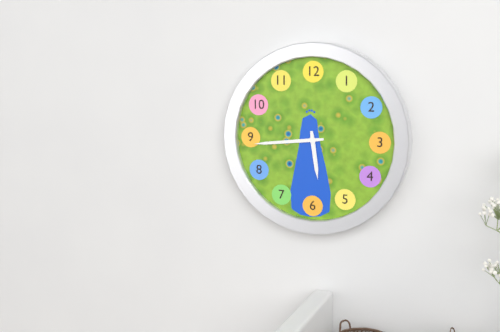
5,44
